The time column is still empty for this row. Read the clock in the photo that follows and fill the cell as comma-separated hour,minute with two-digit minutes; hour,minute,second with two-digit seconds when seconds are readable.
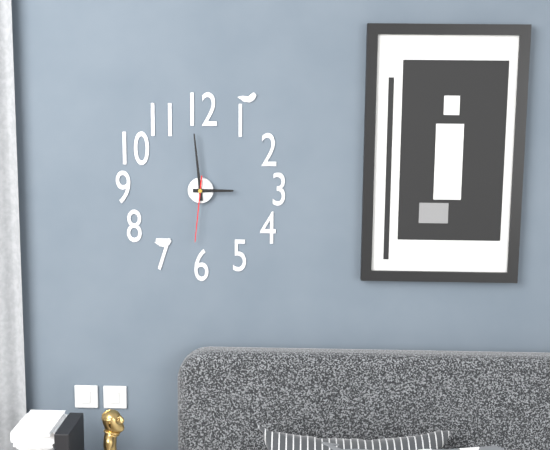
2,59,31
